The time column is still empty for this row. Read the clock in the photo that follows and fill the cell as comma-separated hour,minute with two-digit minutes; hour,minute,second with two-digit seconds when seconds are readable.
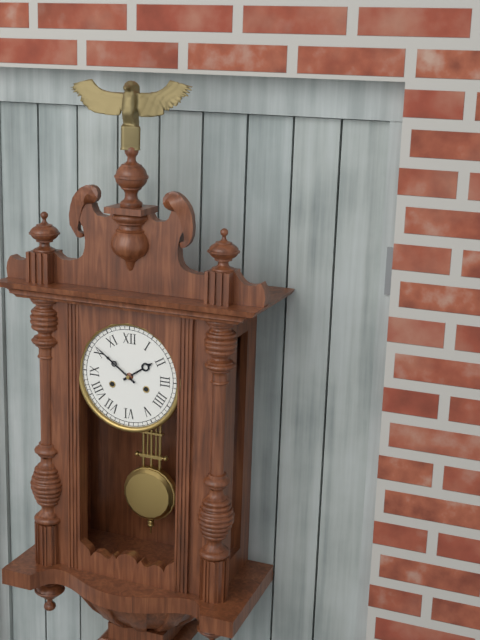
1,51
